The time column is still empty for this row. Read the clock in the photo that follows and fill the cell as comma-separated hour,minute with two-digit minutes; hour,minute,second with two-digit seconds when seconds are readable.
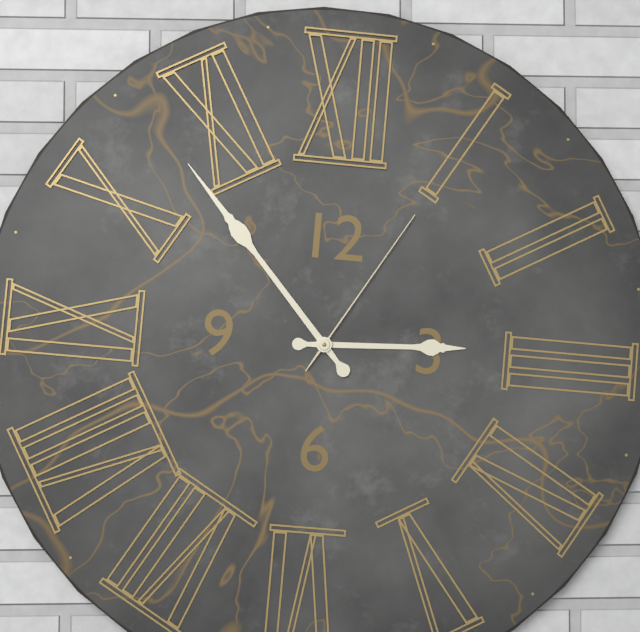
2,53,05
